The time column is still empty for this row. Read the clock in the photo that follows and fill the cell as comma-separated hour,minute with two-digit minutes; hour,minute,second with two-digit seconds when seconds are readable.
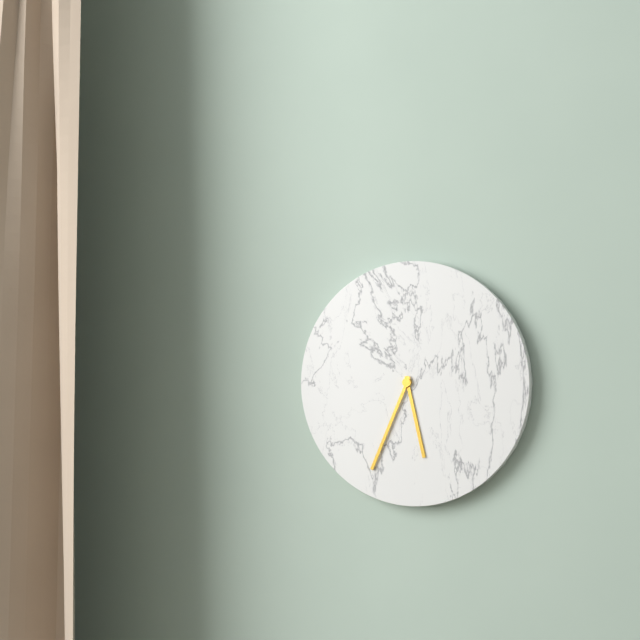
5,34
